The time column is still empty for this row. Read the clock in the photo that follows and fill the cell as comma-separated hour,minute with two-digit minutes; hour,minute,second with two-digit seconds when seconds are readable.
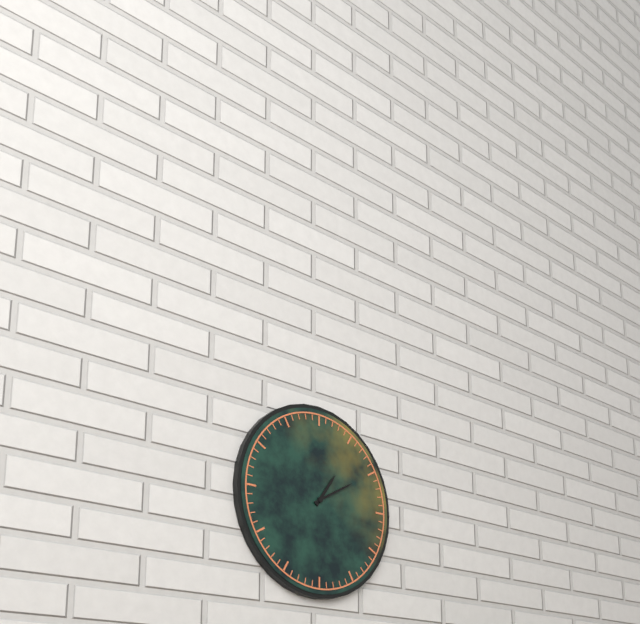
1,10
